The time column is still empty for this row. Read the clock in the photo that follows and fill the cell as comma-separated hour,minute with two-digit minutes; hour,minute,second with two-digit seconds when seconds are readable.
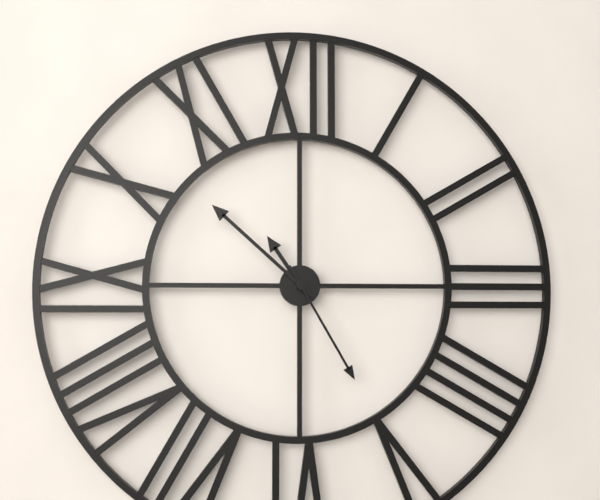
10,52,25
